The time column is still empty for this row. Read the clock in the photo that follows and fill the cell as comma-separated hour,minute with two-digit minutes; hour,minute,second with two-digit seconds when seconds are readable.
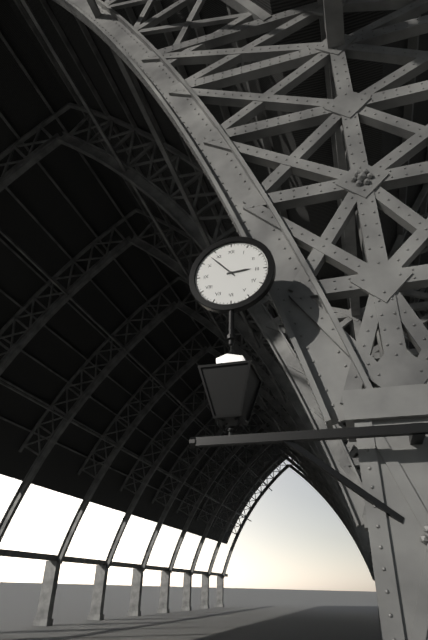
2,53
